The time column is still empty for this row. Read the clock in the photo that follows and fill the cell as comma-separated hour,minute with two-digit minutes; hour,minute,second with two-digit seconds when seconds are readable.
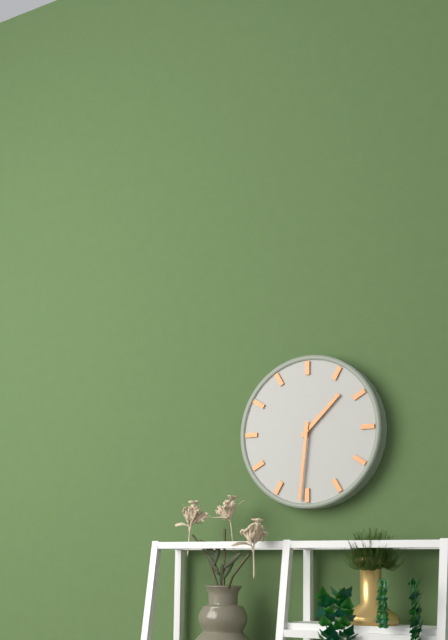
1,31
